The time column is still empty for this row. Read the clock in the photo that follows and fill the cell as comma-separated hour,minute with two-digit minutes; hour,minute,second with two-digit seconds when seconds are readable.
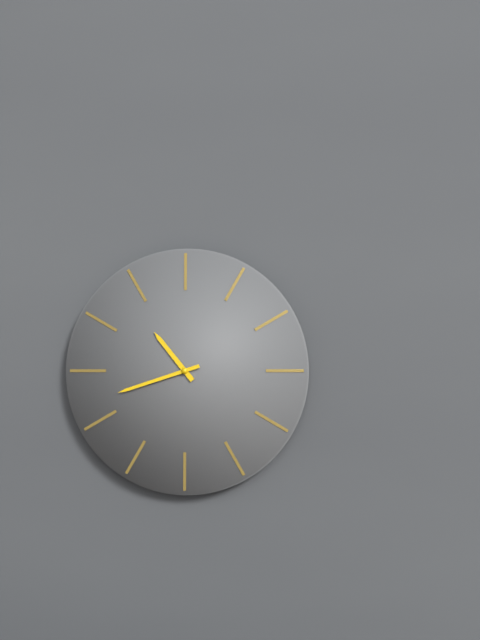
10,42
